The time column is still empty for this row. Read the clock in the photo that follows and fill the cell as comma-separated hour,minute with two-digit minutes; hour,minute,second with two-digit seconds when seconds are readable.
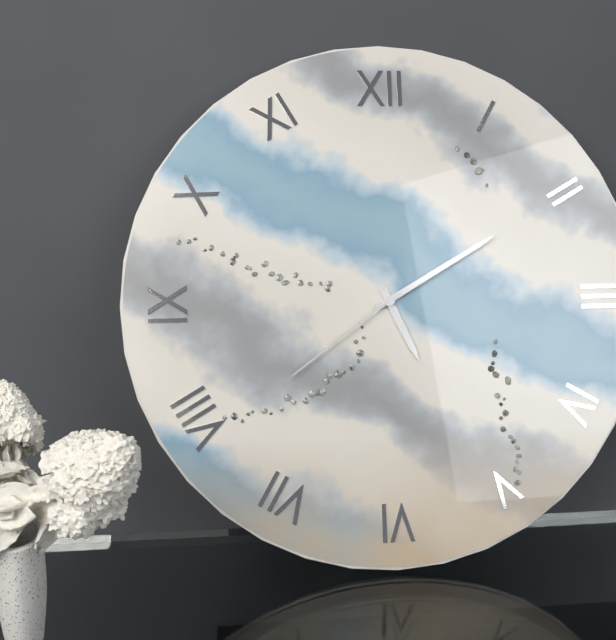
5,10,39
